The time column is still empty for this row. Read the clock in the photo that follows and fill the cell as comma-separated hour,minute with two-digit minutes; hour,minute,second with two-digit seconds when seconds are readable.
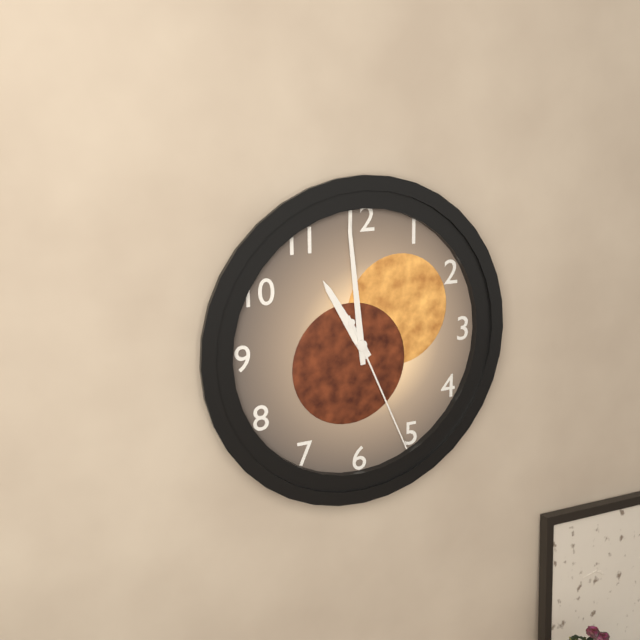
10,59,26
